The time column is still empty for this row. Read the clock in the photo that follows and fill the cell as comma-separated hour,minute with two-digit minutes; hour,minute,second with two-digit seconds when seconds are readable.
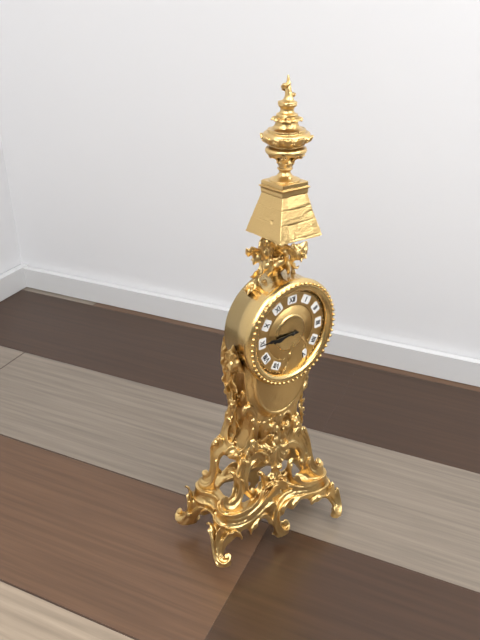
8,45
